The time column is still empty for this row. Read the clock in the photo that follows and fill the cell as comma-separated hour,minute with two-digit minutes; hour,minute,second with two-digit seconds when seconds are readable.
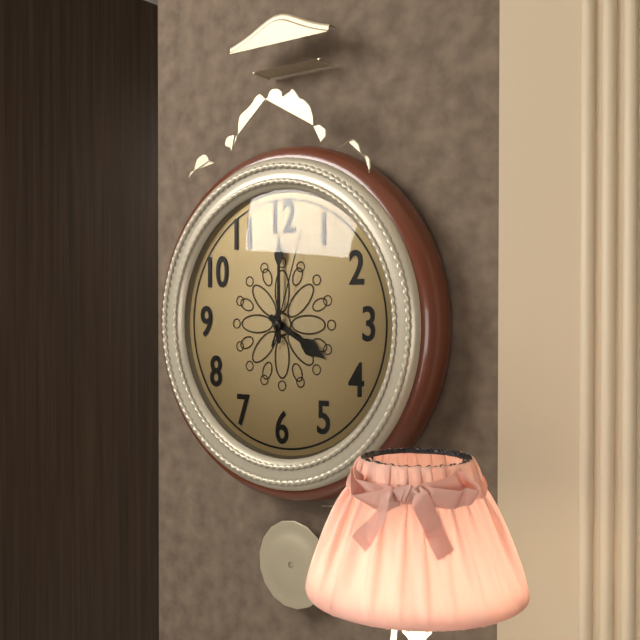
4,00,03
